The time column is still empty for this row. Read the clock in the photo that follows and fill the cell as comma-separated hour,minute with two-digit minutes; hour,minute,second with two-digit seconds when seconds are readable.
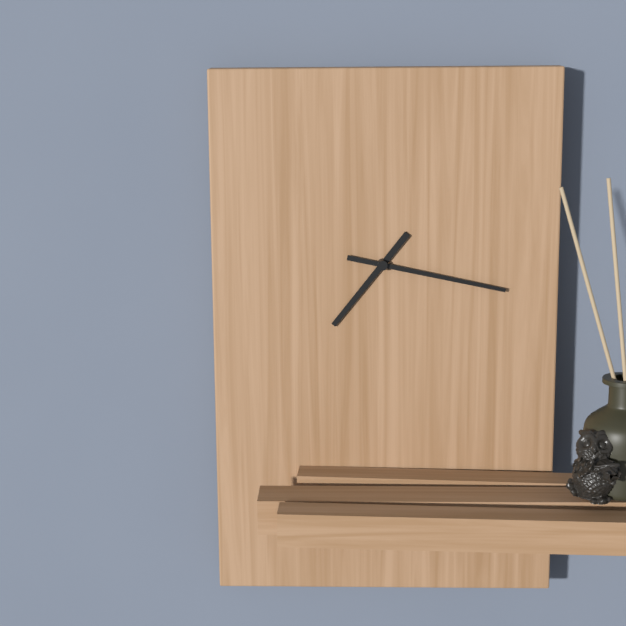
7,17
